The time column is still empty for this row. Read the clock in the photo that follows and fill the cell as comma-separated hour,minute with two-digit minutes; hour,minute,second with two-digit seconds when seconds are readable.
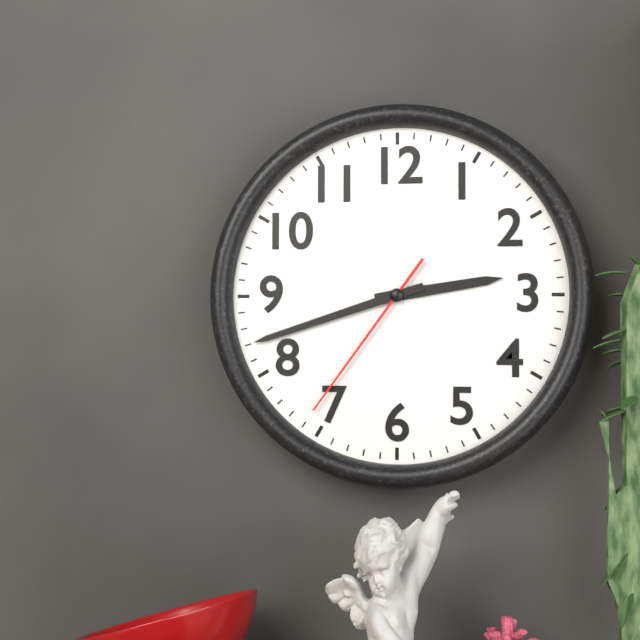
2,42,36
